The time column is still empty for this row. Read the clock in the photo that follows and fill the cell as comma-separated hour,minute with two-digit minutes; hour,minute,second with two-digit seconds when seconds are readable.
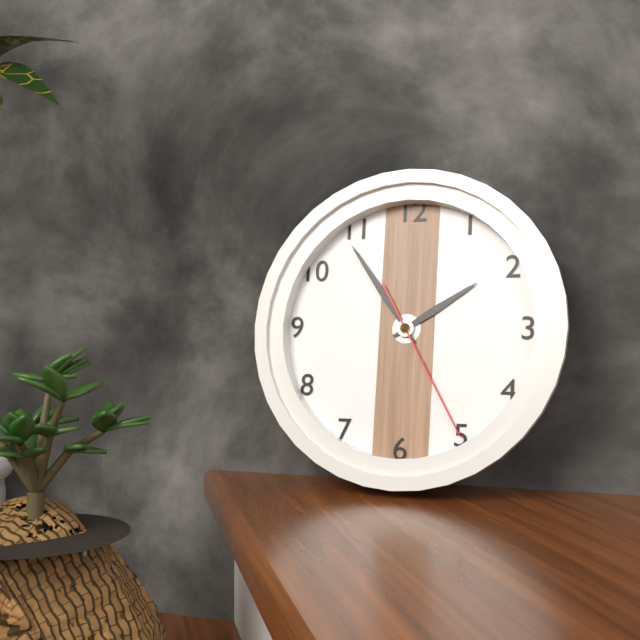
1,54,25
